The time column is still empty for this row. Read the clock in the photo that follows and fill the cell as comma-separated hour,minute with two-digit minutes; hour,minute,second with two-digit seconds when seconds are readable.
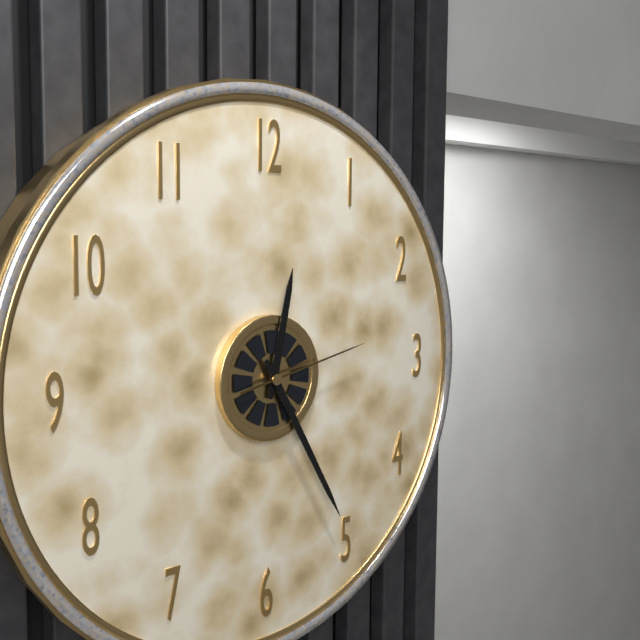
12,25,13
